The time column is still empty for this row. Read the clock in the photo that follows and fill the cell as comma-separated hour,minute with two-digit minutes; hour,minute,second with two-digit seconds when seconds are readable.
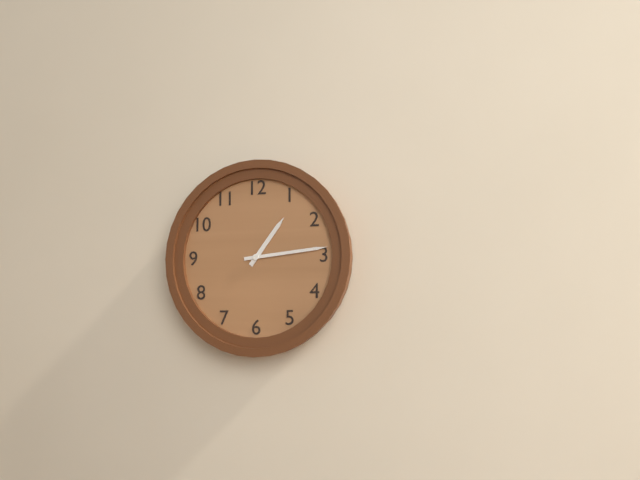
1,14
